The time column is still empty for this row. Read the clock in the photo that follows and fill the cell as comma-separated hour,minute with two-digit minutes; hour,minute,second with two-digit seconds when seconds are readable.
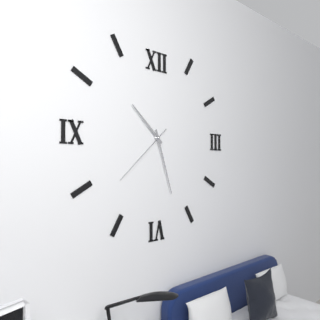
10,27,38
